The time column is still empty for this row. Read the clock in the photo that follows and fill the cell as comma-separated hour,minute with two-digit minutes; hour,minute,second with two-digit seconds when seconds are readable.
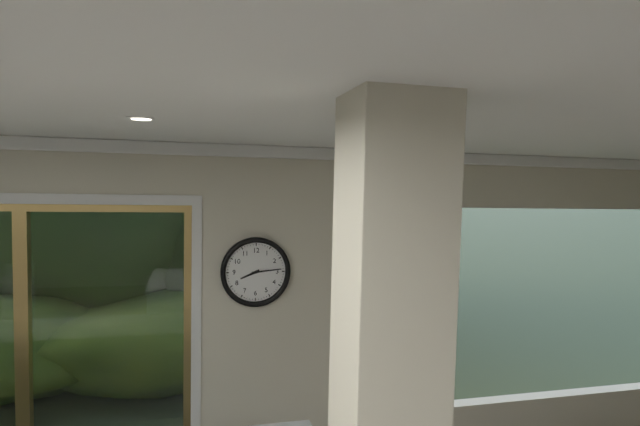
8,14
